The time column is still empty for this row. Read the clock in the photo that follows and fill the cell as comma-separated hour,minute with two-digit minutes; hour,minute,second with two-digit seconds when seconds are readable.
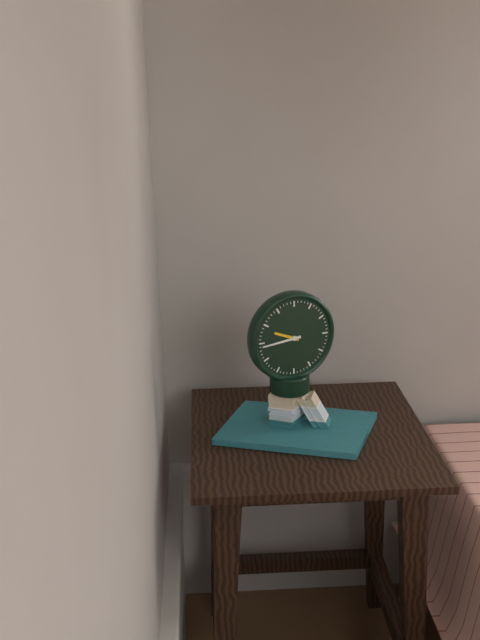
9,44
